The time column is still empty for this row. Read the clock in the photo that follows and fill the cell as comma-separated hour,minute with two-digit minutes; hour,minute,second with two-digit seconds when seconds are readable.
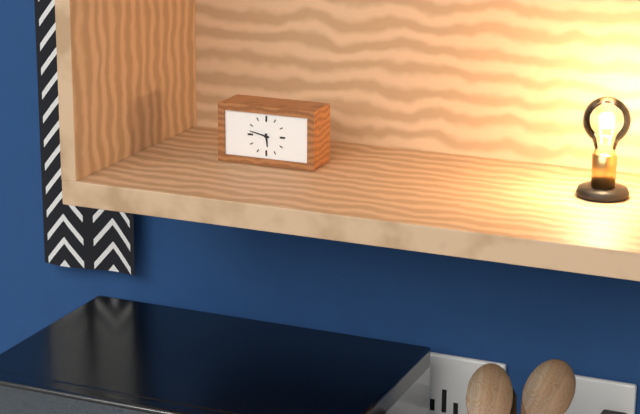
5,47
